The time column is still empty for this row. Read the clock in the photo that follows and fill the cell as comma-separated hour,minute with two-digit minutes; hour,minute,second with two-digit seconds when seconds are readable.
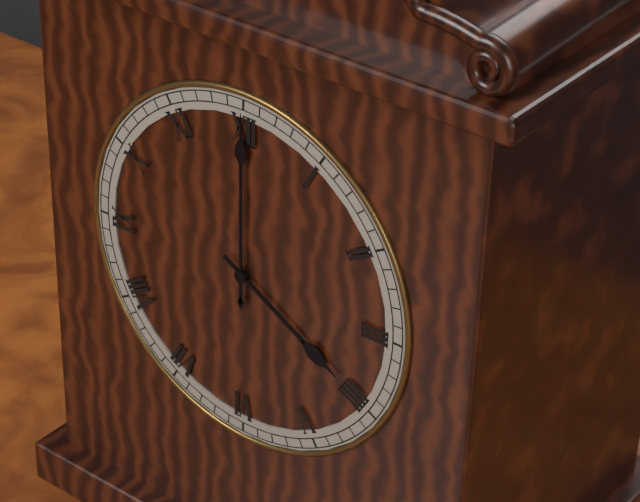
4,00
